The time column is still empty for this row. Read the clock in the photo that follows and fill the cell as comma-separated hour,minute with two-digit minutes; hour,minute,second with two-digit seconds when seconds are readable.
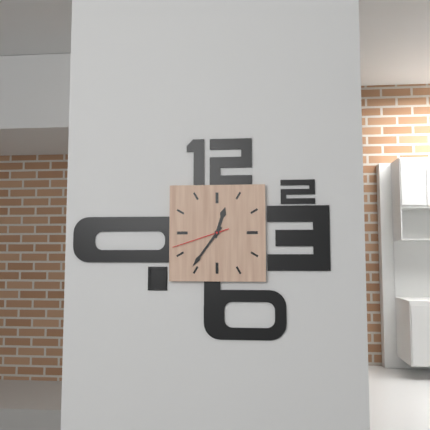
12,36,42
